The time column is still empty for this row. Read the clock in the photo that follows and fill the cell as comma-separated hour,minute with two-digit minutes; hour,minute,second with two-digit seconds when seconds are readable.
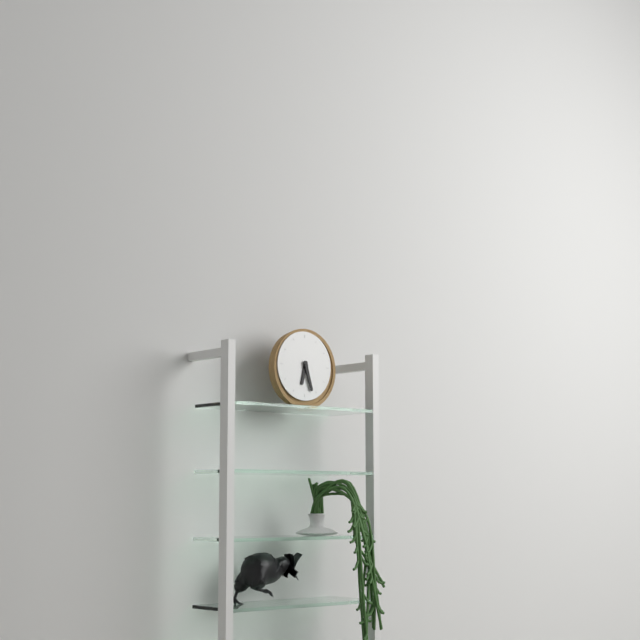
6,27
